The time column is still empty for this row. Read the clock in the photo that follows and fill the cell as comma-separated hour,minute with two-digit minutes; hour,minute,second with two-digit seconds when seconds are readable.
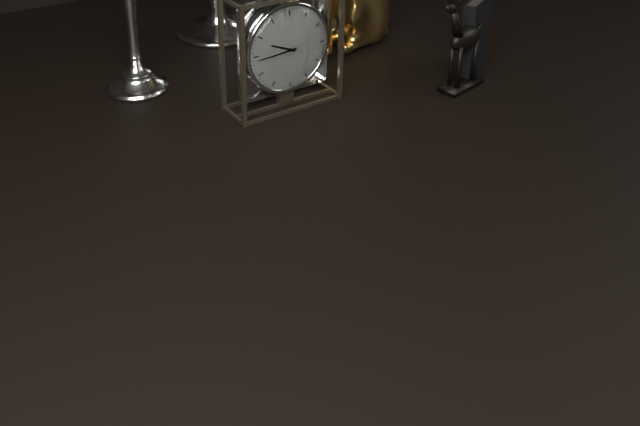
9,44
